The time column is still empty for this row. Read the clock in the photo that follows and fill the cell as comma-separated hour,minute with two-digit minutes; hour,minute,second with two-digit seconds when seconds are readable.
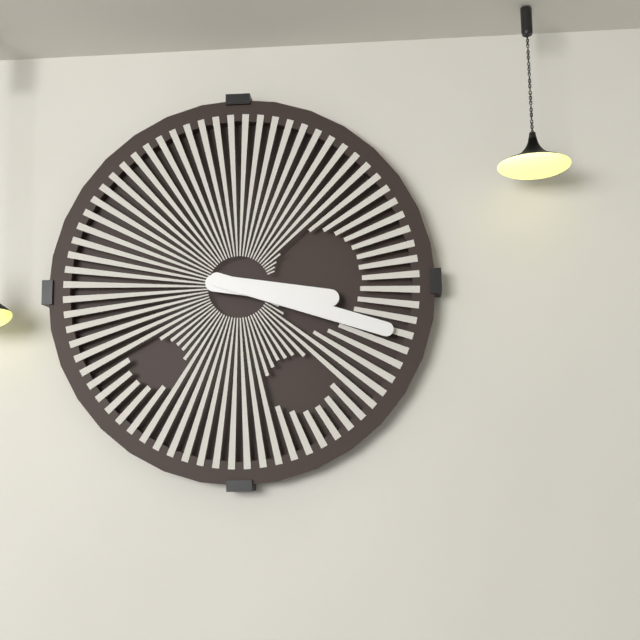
3,18
